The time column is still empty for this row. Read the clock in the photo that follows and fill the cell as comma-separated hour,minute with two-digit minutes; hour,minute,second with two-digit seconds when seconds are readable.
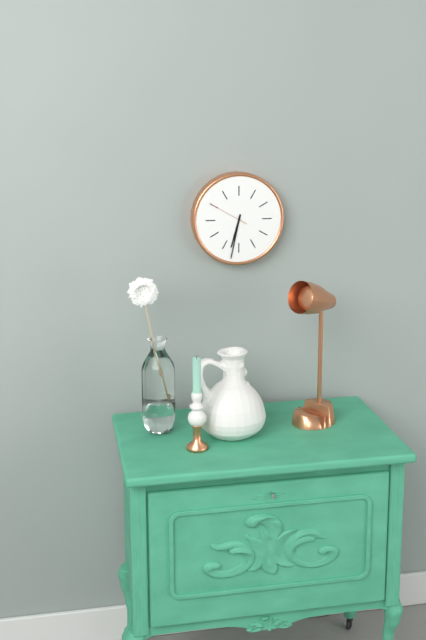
6,32
